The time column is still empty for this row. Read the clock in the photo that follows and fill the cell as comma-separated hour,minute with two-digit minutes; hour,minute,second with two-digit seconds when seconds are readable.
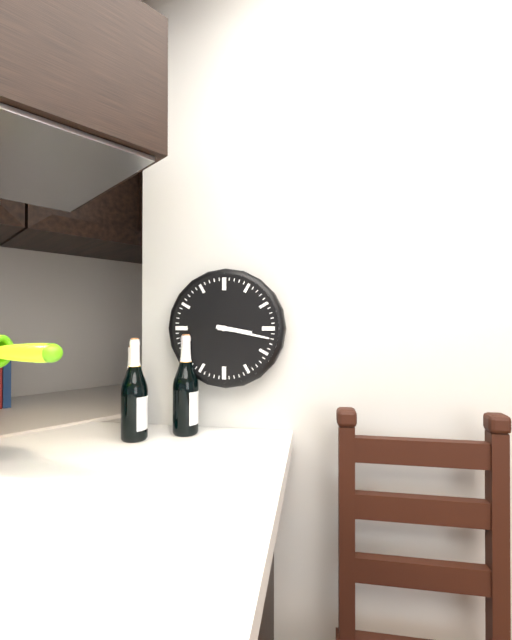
3,17
